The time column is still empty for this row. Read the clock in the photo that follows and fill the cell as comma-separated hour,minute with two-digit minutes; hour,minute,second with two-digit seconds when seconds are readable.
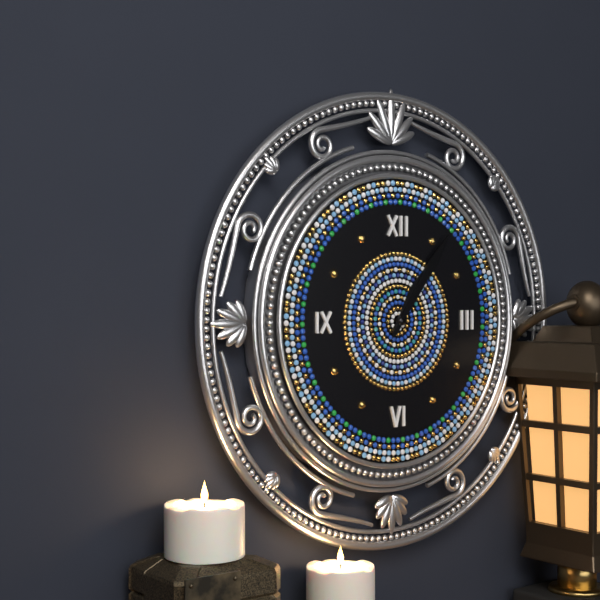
1,06
